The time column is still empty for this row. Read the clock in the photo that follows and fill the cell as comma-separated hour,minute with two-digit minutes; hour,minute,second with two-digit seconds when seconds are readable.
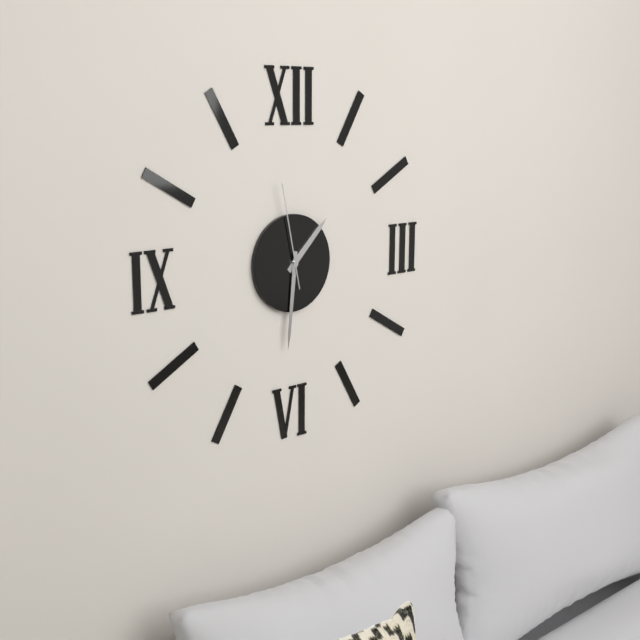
1,31,58
